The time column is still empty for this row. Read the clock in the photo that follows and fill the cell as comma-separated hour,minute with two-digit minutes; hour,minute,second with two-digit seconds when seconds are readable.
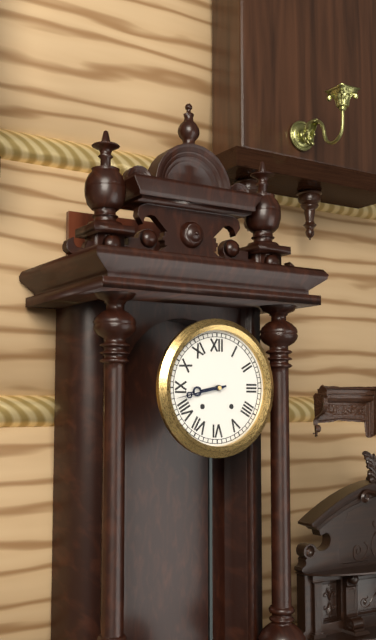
8,43
